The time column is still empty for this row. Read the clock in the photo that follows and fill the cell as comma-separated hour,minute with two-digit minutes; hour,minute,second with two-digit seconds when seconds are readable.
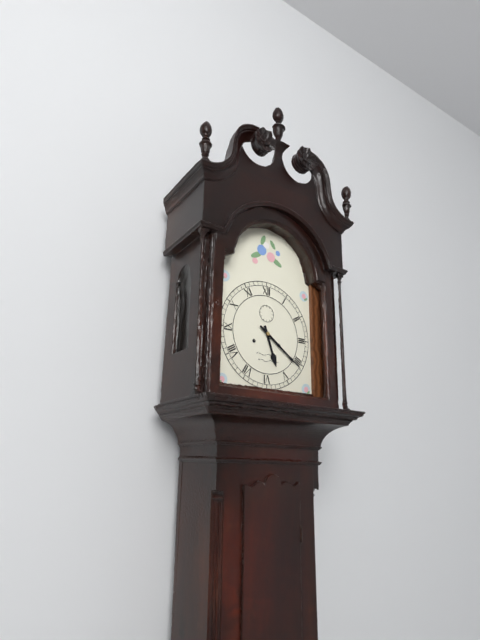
5,21
